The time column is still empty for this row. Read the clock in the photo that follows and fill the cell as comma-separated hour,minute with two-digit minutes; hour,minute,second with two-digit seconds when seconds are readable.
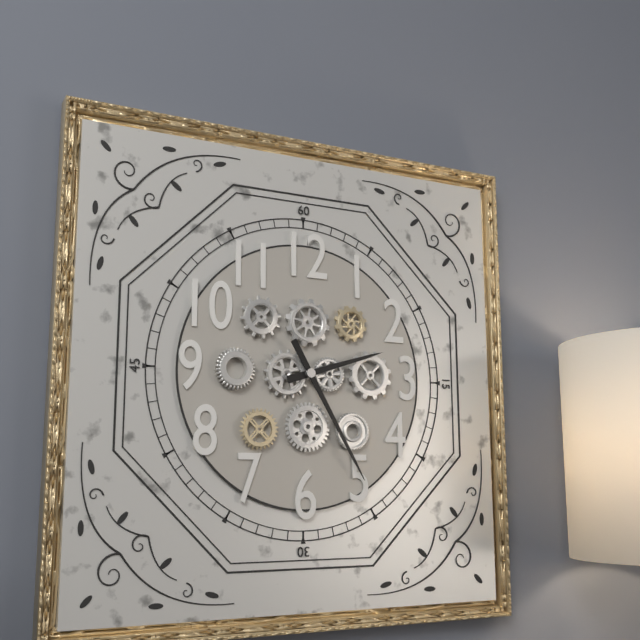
2,25
